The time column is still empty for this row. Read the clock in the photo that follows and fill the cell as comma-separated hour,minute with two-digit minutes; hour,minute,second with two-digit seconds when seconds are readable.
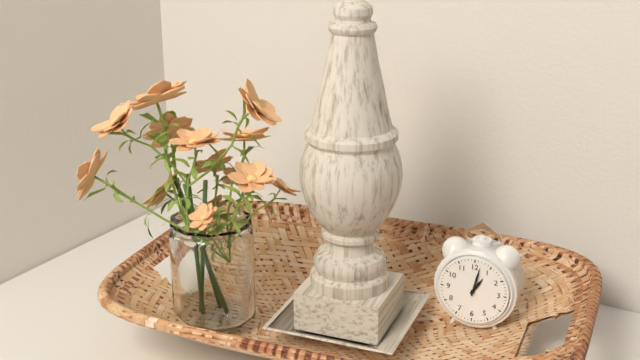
1,02
